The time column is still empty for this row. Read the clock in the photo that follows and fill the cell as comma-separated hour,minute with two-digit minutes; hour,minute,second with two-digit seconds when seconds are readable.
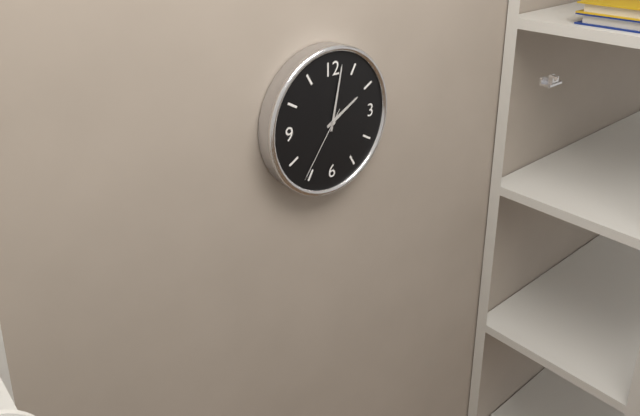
2,02,36
